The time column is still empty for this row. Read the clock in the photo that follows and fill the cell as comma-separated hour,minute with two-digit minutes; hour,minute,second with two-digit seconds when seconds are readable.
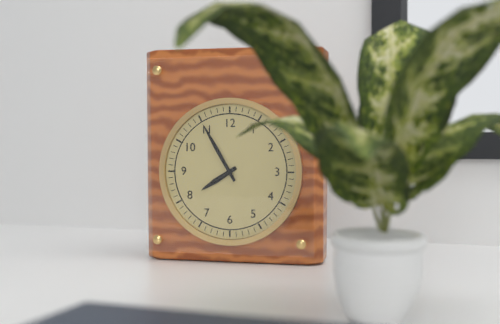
7,55
